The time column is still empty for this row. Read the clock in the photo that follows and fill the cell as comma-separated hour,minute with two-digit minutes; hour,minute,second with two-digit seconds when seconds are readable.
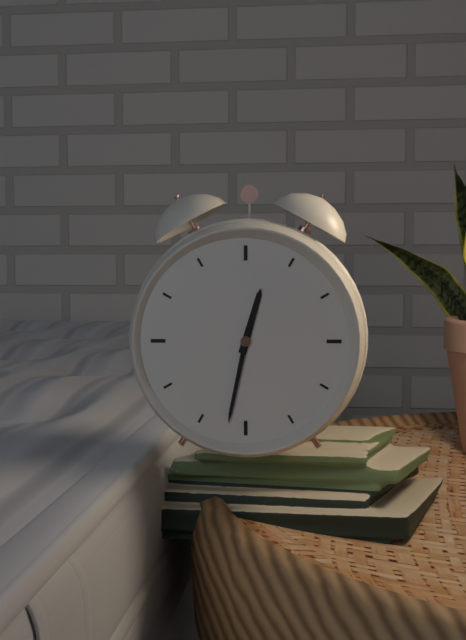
12,32
